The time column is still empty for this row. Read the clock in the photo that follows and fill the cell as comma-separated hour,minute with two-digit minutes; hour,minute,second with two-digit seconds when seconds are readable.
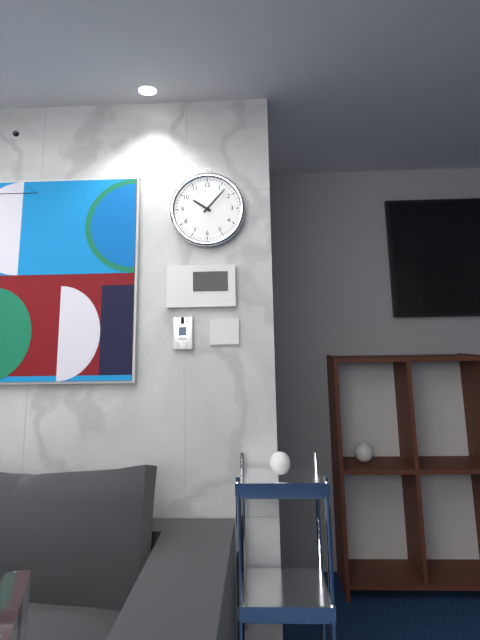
10,07
